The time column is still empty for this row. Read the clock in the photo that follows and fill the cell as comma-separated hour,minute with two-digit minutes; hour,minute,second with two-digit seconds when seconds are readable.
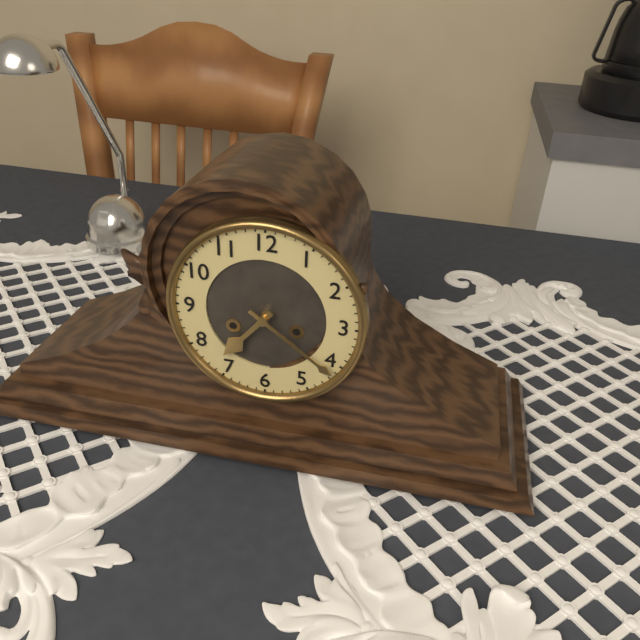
7,21
